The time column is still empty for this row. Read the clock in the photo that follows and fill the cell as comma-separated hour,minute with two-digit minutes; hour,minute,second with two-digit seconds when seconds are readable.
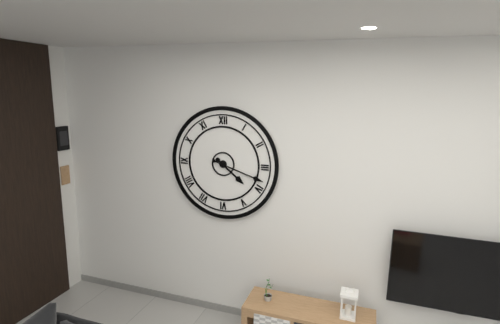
4,18
